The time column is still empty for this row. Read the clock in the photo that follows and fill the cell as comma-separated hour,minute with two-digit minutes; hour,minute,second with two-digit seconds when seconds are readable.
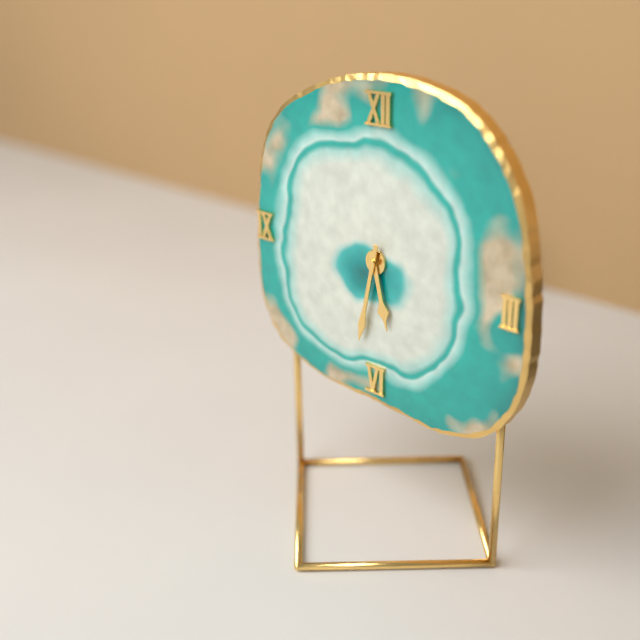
5,32
